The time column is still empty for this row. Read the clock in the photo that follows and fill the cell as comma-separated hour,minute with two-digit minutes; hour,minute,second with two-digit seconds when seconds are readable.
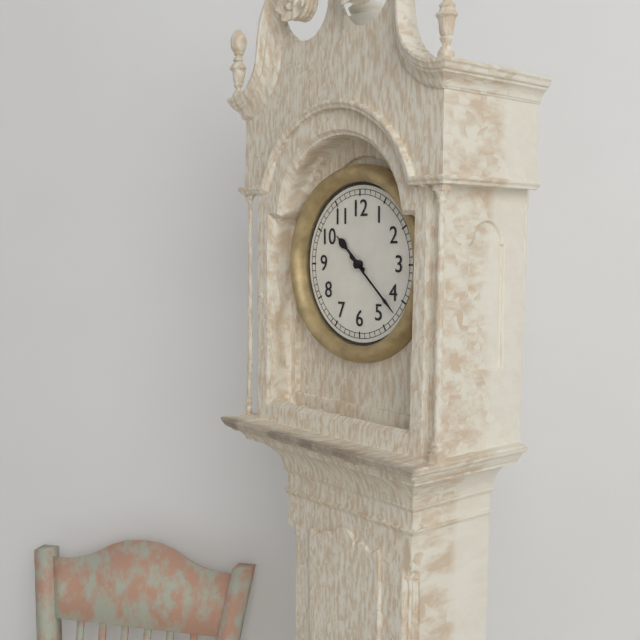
10,22
